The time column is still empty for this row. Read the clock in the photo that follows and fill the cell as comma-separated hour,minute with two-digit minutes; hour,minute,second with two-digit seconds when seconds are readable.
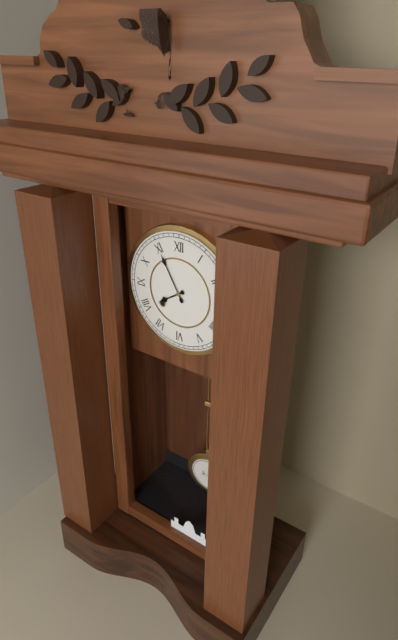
7,55
